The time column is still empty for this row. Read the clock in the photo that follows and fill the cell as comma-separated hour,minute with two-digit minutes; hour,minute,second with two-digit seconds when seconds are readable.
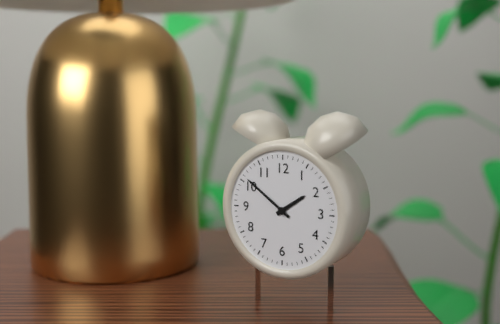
1,51
